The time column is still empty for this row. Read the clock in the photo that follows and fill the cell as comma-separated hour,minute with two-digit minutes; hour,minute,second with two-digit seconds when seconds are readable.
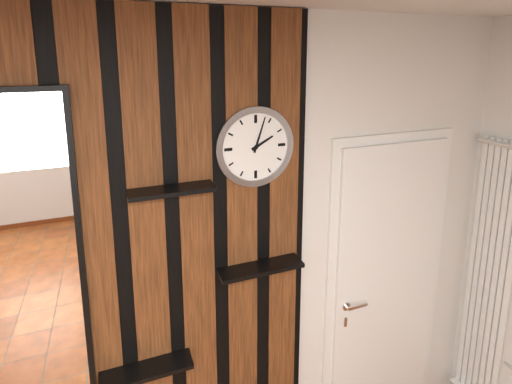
2,03
